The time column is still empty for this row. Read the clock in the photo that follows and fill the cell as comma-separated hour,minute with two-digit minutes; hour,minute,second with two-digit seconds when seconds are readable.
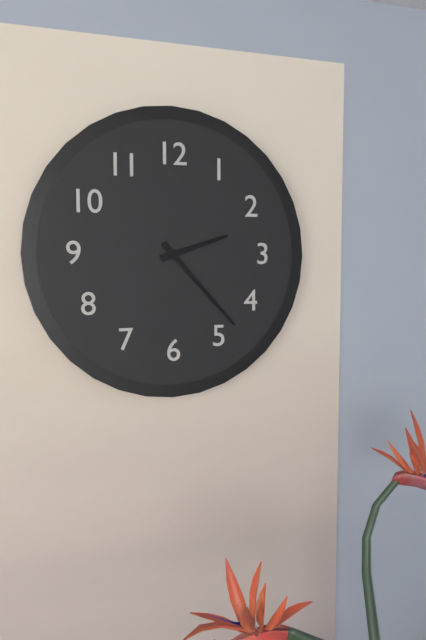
2,23
